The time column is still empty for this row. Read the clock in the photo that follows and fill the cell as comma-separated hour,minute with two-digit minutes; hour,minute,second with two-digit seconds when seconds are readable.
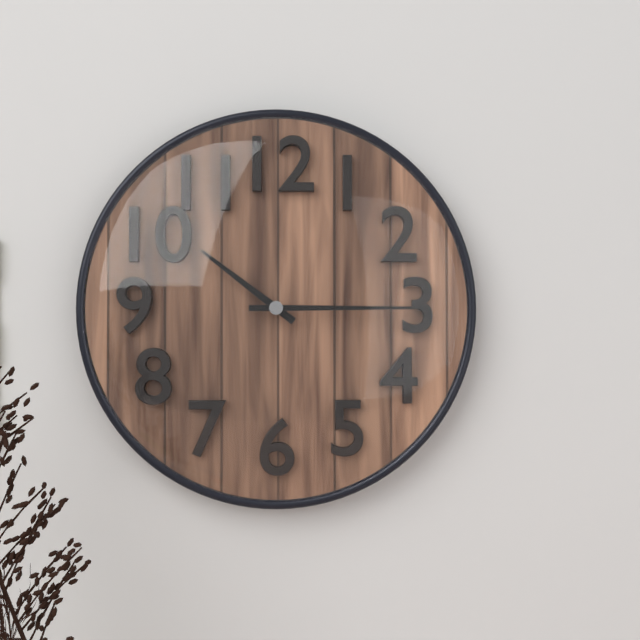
10,15
